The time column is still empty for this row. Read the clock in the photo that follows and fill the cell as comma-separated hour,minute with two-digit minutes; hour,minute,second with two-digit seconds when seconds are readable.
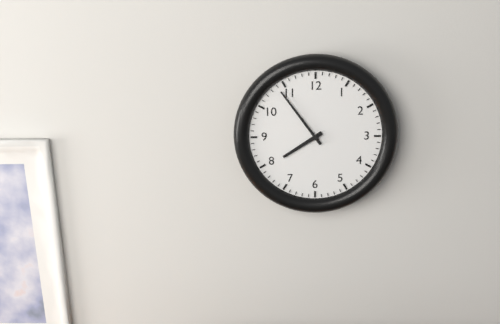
7,54
